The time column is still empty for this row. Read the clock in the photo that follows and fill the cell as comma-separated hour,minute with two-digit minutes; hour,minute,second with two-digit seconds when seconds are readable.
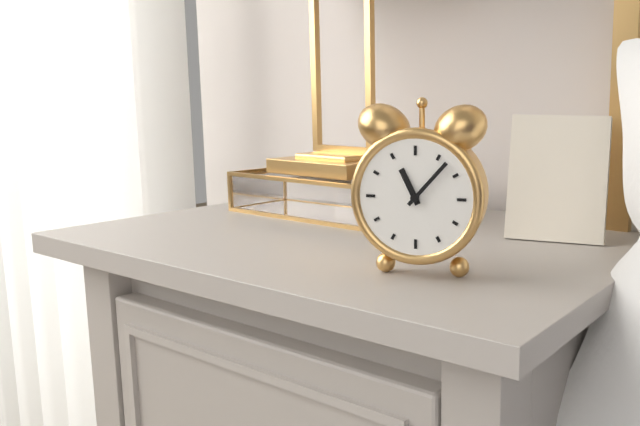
11,07
